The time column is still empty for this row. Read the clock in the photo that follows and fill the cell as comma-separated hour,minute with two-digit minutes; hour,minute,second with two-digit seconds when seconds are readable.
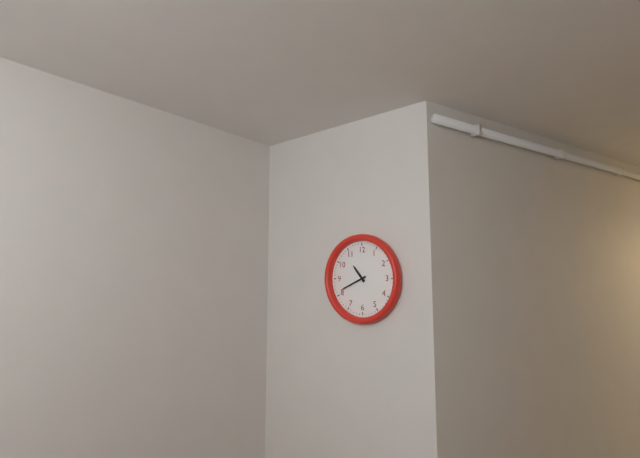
10,41
